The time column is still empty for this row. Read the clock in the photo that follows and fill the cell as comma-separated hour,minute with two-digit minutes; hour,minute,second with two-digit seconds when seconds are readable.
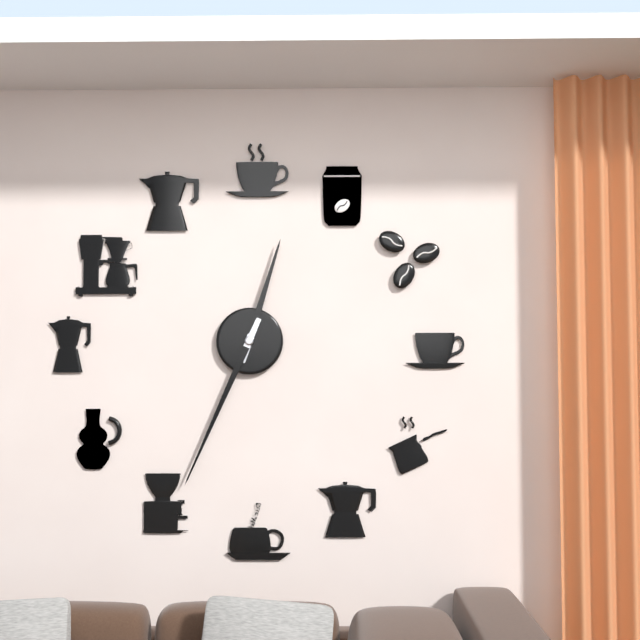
12,34
